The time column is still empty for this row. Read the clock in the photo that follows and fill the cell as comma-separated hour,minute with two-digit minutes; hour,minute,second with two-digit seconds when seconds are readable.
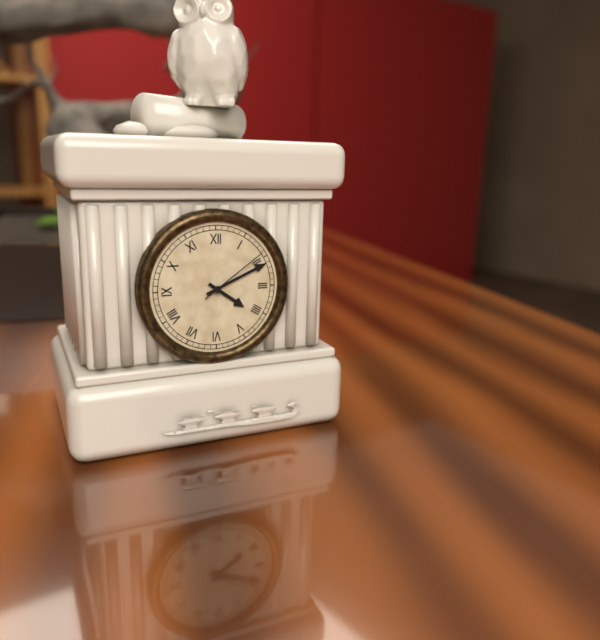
4,11,09
